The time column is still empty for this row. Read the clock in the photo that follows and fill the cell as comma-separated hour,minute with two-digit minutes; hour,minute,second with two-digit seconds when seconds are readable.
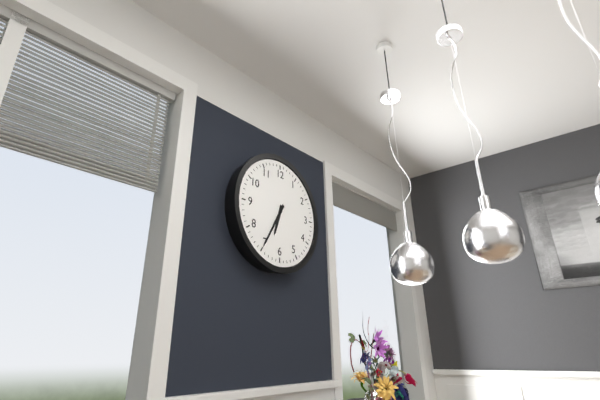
6,35
